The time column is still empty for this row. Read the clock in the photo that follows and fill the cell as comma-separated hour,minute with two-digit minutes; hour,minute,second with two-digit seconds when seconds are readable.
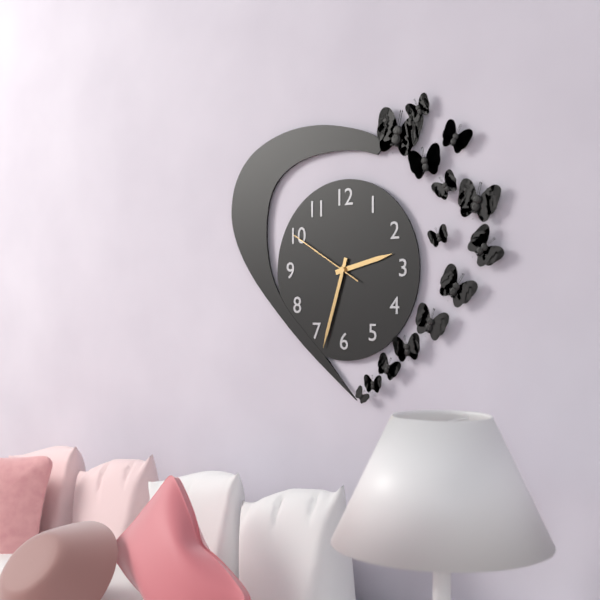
2,33,50
